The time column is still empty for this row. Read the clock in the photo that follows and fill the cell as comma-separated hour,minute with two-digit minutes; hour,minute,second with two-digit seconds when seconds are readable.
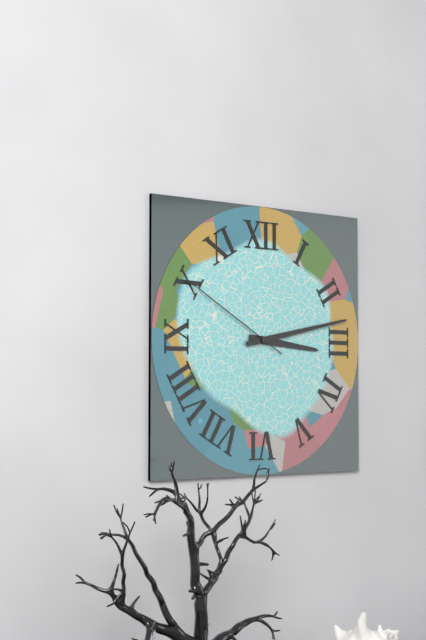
3,13,50
